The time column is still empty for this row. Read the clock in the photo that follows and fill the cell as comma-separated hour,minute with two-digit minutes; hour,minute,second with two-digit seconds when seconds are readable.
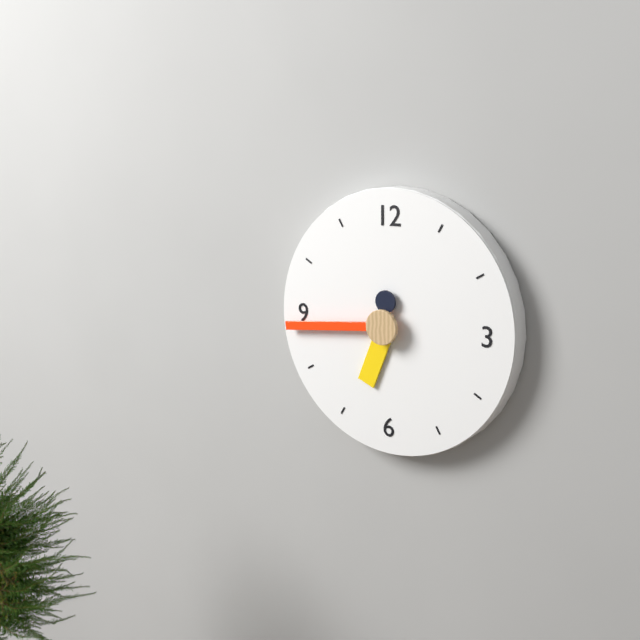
6,44
